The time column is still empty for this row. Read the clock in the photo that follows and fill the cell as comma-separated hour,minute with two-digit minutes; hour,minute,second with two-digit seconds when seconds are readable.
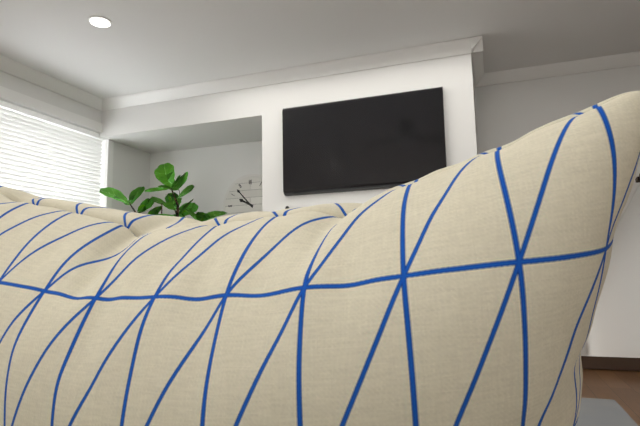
9,53
